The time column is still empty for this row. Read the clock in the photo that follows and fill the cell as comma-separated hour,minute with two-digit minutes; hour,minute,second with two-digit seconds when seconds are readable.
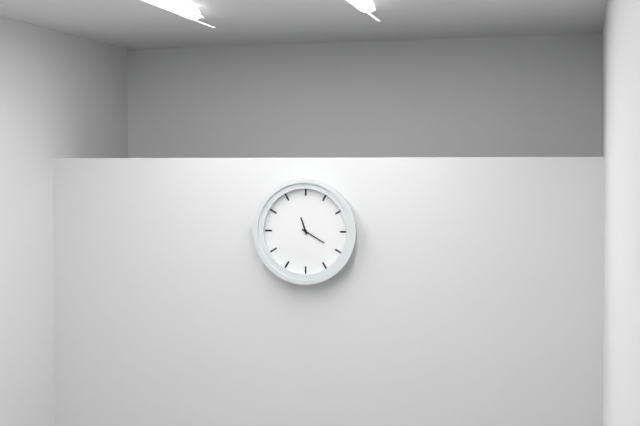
11,20
